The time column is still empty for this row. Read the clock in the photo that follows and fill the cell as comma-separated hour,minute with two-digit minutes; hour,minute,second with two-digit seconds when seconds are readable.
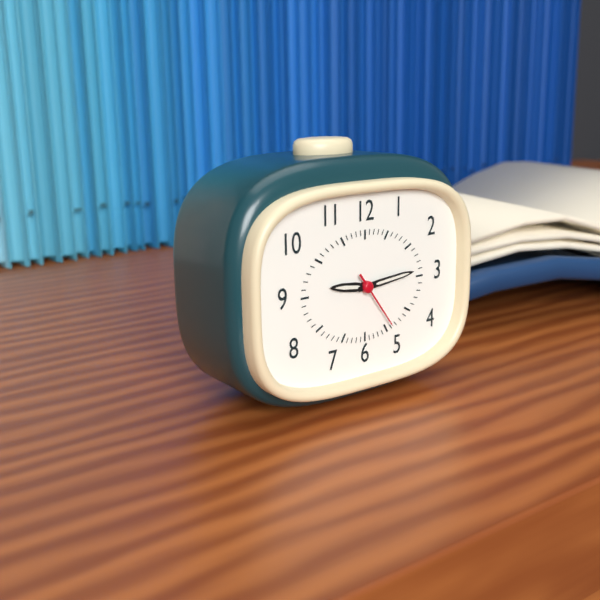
9,14,24
